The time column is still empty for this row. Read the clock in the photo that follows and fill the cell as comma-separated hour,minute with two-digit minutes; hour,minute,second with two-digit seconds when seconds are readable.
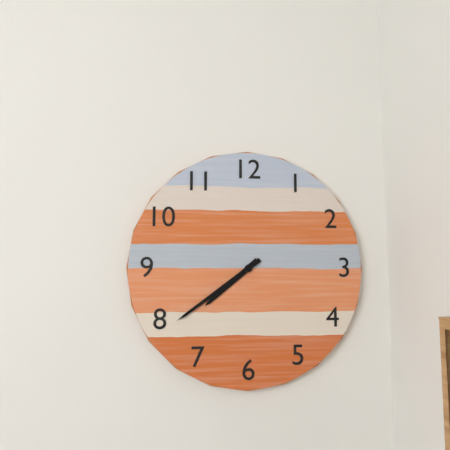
7,39
